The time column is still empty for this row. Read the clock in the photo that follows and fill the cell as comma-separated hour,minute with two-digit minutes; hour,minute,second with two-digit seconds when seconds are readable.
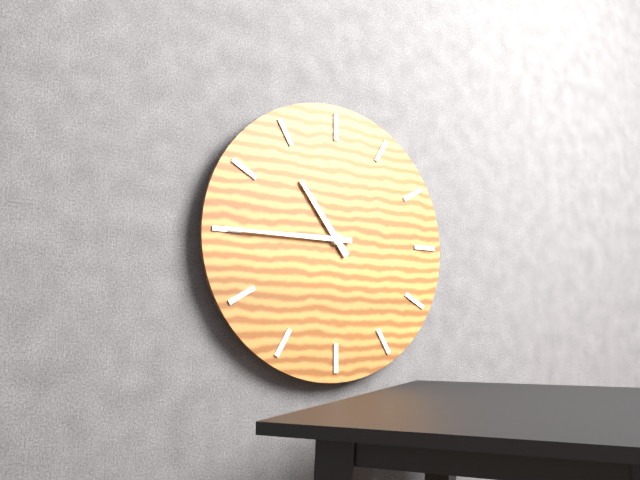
10,45
